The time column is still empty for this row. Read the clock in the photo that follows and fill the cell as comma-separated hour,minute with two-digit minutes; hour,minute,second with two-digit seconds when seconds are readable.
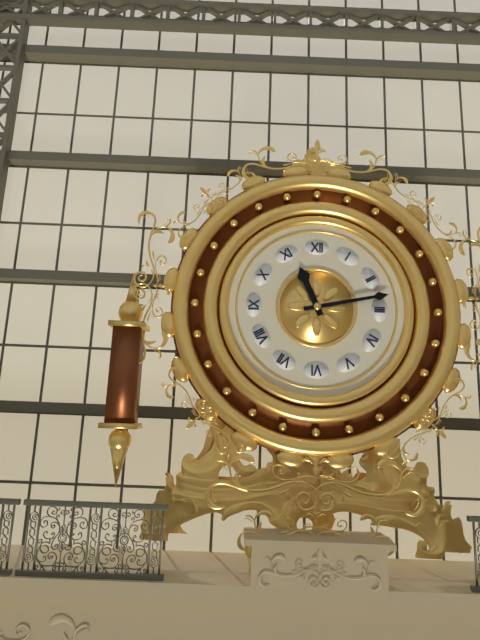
11,13
